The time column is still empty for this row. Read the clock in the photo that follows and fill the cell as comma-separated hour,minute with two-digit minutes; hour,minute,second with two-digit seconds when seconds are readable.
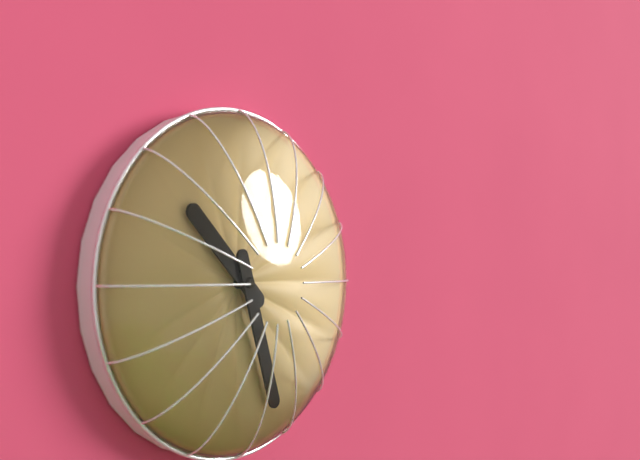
10,27
